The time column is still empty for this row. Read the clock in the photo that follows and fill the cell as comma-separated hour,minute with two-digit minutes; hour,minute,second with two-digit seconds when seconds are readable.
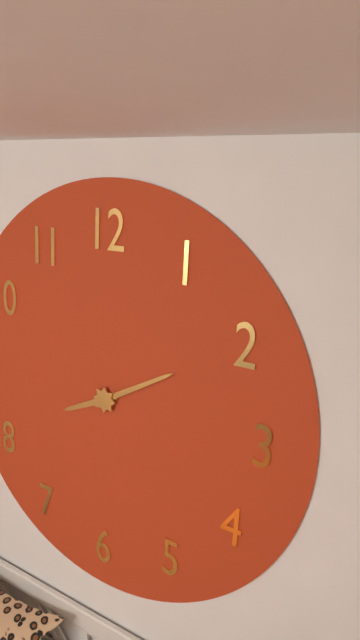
8,10
